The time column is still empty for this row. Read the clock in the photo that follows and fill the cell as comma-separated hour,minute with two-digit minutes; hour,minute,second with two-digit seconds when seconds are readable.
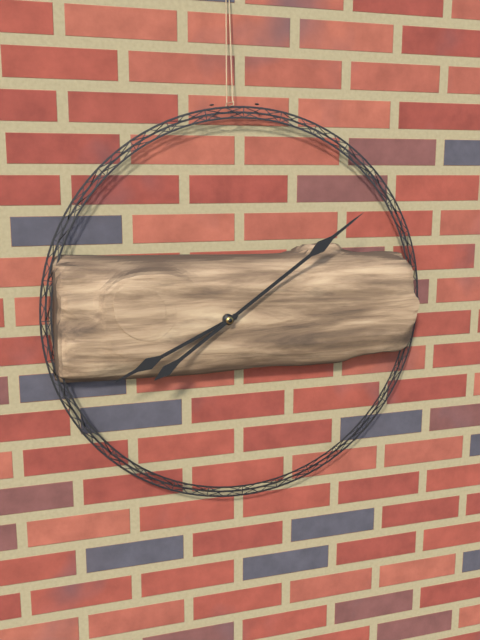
8,09
